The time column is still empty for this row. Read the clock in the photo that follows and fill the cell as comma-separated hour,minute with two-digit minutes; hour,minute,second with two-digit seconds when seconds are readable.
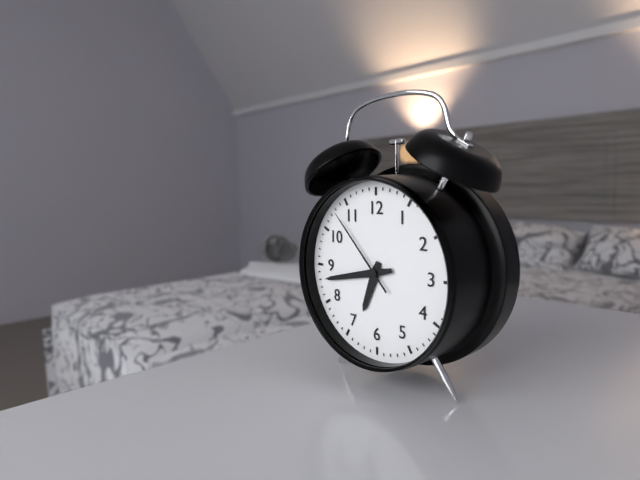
6,43,53
